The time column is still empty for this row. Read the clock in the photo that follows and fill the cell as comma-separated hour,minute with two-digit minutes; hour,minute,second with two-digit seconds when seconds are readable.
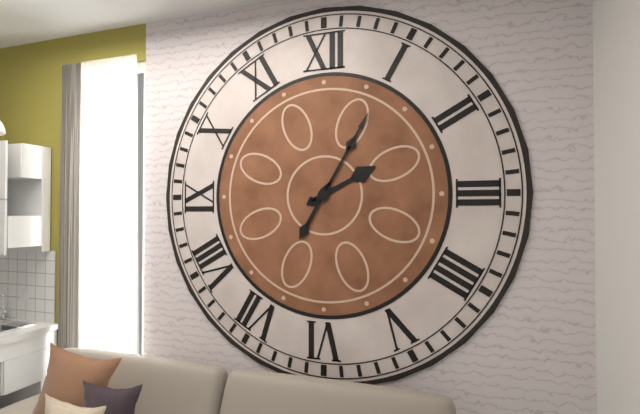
2,05
